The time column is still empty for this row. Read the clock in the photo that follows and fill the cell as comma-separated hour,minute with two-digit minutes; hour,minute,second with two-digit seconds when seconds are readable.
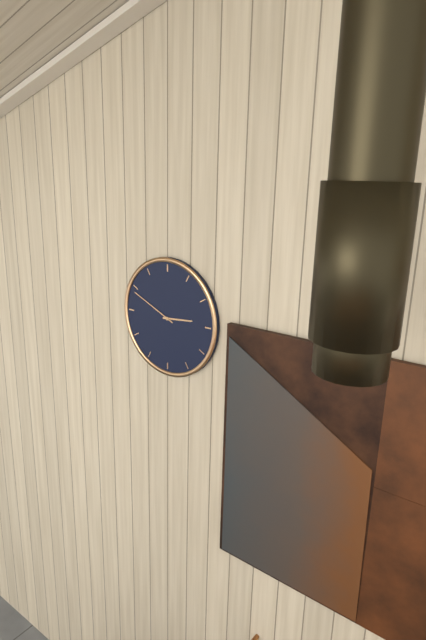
2,49
